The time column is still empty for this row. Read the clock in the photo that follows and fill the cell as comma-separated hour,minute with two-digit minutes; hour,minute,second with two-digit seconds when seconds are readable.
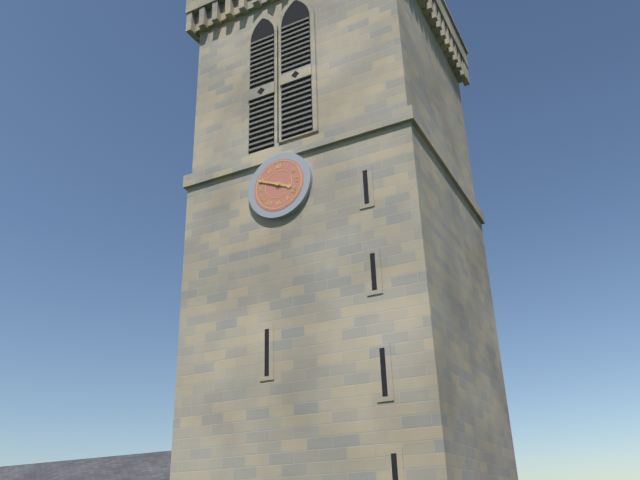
3,49
